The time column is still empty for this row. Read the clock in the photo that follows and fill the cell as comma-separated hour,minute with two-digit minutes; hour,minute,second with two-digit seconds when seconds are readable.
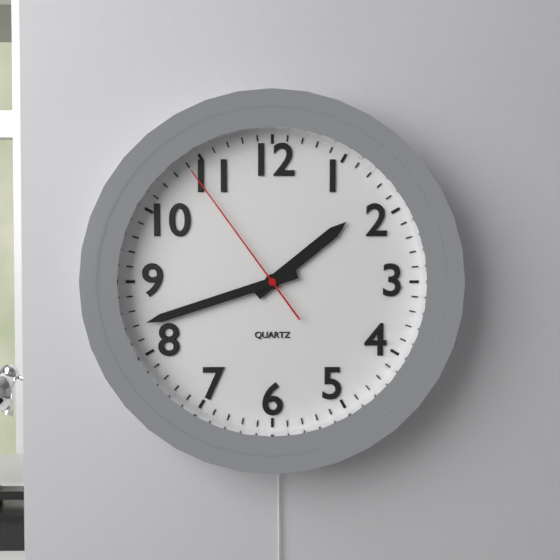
1,42,54
